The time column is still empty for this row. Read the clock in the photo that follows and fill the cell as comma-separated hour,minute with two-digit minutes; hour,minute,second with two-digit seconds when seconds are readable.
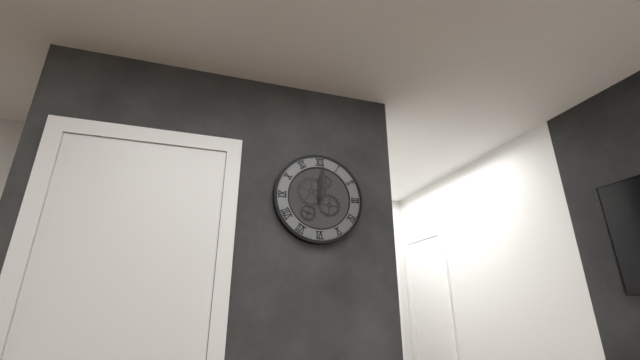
12,01
